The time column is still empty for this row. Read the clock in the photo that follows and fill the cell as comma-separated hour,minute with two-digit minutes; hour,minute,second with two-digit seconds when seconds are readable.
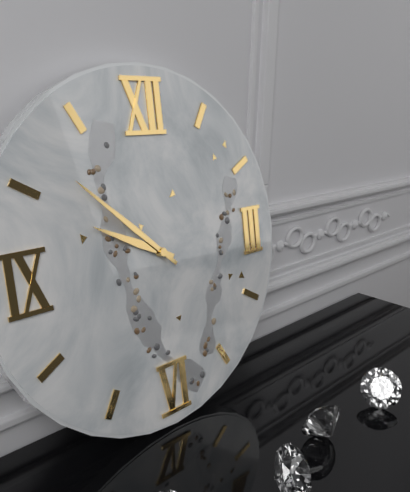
9,52
